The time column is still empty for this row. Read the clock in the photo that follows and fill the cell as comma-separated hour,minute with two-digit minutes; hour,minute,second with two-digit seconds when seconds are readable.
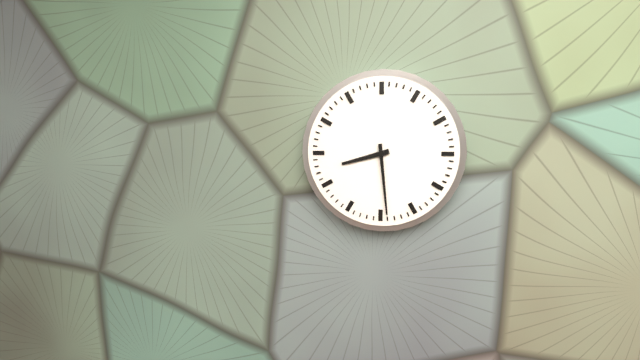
8,29
